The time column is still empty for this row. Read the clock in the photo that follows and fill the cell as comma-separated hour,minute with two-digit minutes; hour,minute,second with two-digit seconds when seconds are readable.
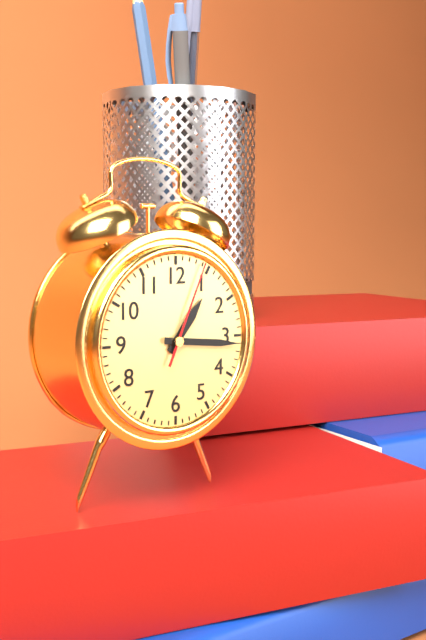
1,16,04
